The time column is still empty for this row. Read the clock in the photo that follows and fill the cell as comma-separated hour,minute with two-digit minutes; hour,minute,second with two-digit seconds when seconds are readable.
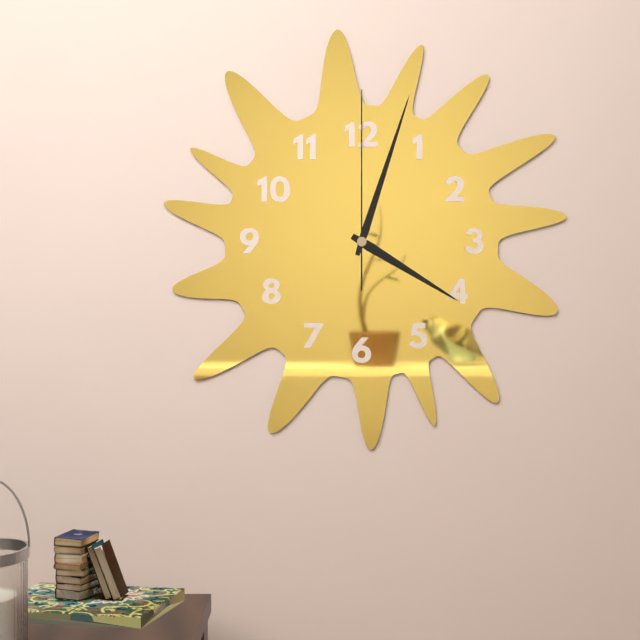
4,03,00
